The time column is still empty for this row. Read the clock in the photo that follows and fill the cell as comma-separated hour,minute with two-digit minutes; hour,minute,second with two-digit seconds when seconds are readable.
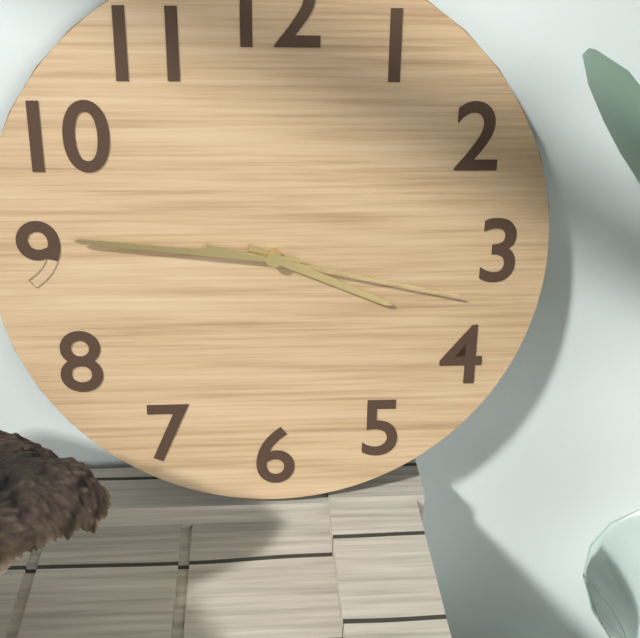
3,46,17
